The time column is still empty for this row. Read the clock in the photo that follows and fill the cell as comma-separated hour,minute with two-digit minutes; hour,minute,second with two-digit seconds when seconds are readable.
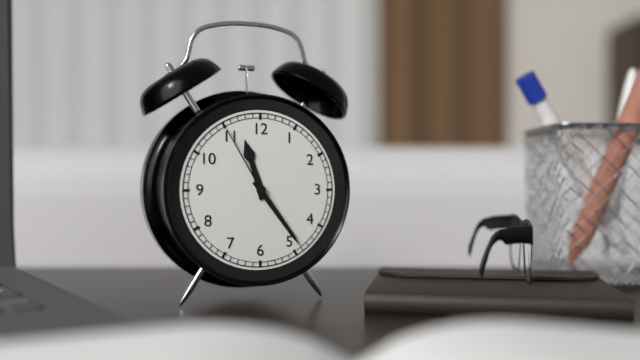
11,24,55
